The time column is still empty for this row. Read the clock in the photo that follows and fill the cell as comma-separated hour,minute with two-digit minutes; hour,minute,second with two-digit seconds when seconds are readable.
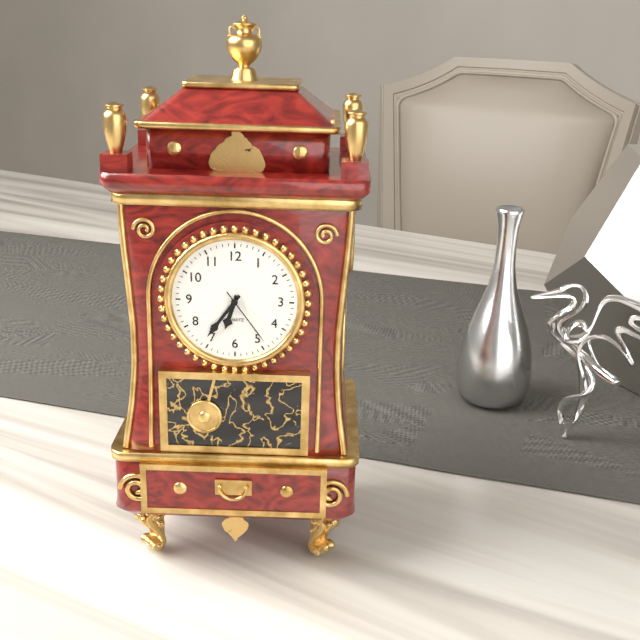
6,36,24
